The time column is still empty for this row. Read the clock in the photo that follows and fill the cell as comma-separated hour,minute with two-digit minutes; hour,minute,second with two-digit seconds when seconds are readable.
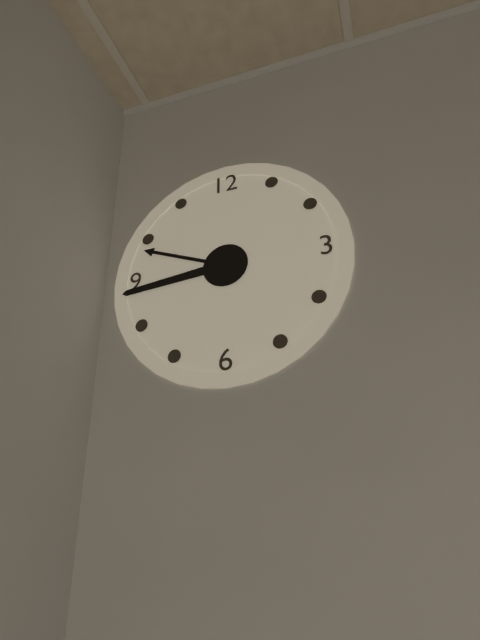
9,44
